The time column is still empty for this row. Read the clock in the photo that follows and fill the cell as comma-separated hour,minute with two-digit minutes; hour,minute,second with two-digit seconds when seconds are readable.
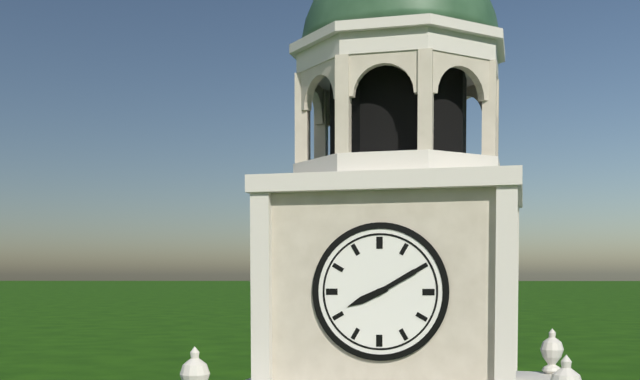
8,10
